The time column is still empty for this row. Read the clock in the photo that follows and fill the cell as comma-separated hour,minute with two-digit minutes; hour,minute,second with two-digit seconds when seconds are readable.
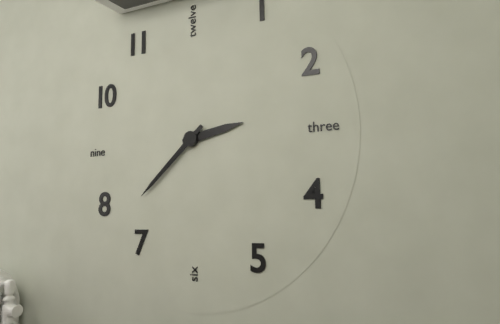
2,38
